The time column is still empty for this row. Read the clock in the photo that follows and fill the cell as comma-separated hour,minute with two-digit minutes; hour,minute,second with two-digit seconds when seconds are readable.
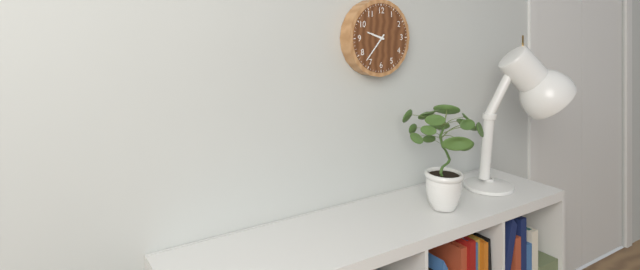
9,37
